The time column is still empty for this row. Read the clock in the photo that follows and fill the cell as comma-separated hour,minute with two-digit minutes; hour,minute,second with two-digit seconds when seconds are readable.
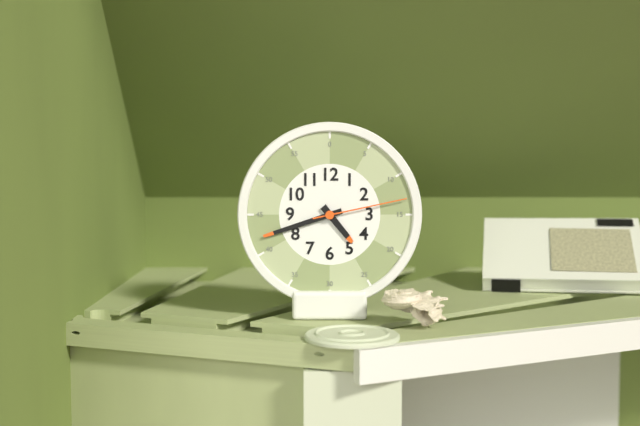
4,42,13
